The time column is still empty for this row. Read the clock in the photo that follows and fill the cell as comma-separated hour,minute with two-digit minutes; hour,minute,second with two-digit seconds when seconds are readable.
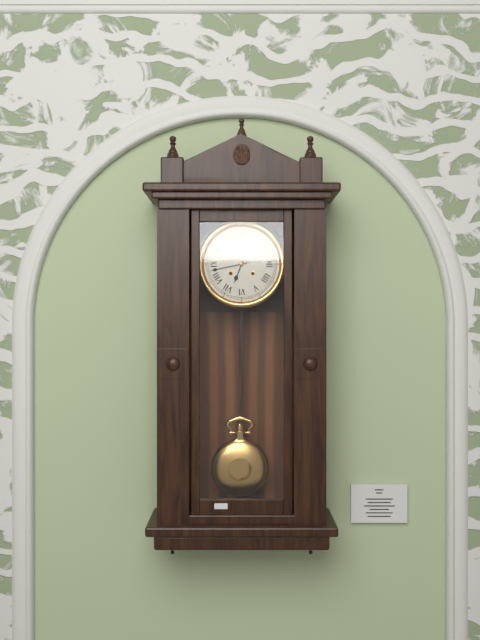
6,43
